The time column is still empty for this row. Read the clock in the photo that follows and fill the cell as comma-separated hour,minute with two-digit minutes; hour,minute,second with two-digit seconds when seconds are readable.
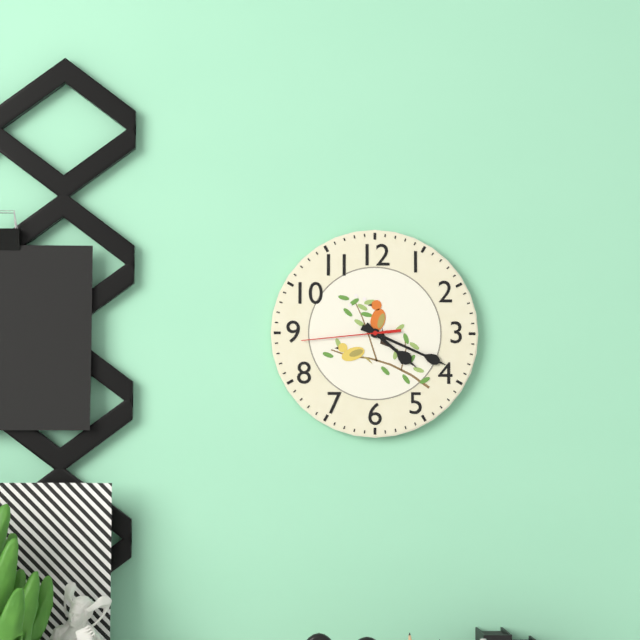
4,19,44
